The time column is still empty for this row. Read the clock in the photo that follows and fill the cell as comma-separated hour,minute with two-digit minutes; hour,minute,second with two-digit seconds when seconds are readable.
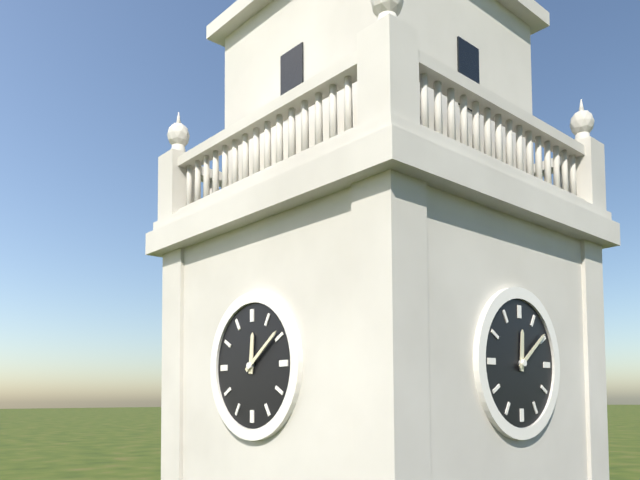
12,09
